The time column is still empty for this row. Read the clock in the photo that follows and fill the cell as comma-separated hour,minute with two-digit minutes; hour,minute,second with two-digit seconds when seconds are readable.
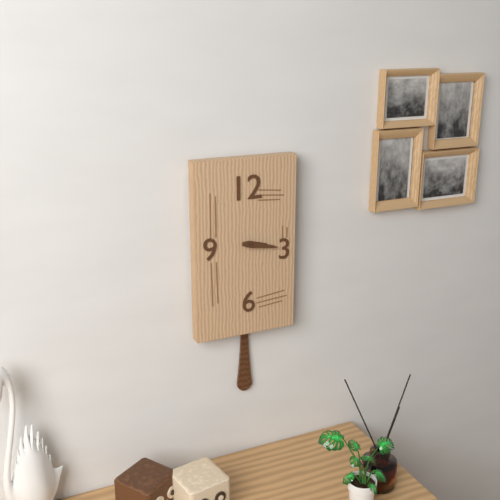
3,17
